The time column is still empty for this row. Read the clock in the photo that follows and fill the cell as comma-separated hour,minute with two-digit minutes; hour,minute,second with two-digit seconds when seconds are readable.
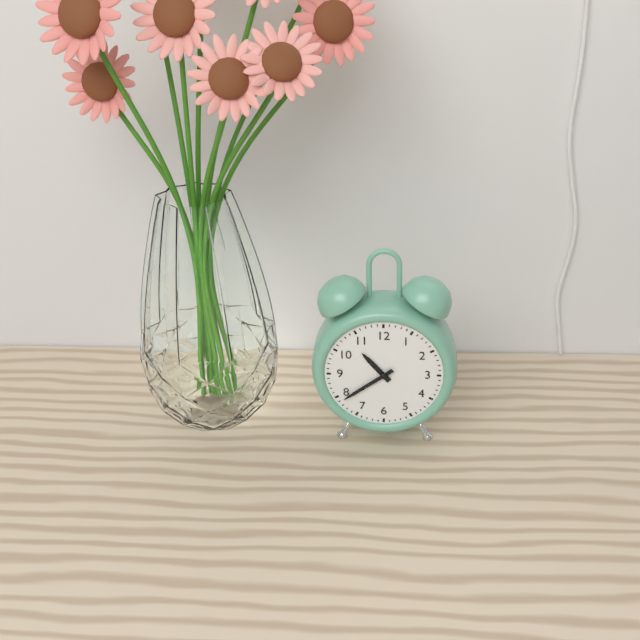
10,39
